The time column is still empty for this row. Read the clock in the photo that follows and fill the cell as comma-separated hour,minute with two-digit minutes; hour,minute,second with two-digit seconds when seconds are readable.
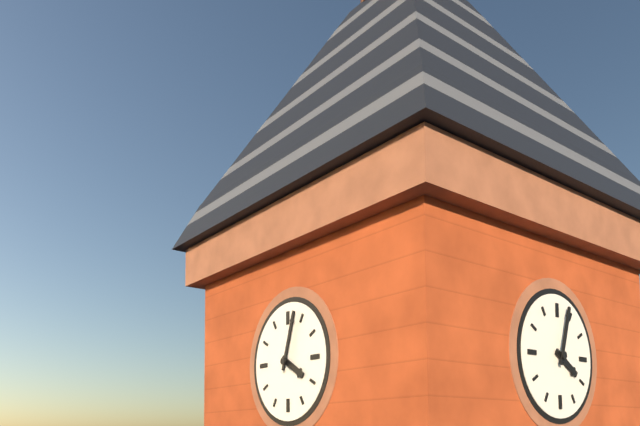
4,03
